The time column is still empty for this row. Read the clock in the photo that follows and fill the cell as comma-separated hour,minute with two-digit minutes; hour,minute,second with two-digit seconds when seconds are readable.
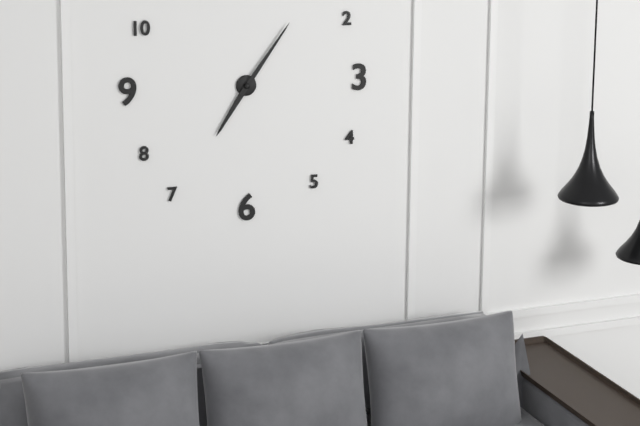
7,06
